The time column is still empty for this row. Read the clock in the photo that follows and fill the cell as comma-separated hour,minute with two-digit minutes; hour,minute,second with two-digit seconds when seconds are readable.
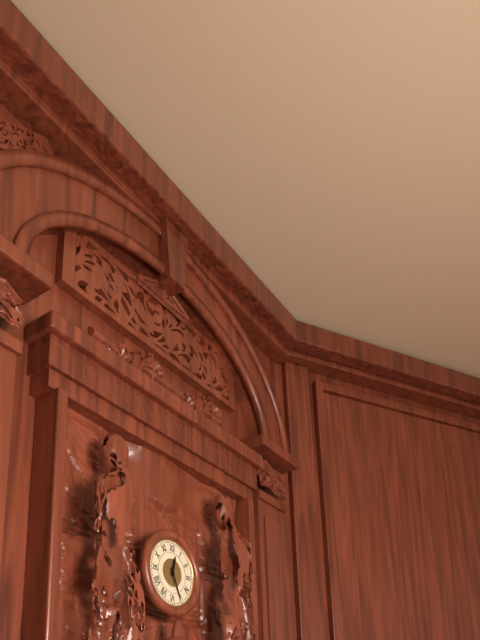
12,26
